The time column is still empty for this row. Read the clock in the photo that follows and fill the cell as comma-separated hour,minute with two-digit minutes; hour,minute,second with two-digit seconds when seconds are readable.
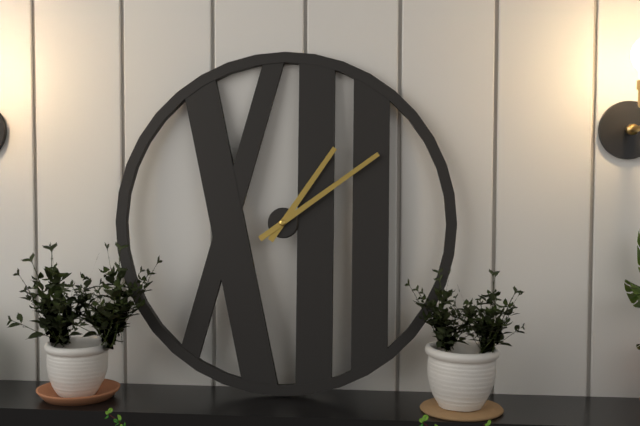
1,09
